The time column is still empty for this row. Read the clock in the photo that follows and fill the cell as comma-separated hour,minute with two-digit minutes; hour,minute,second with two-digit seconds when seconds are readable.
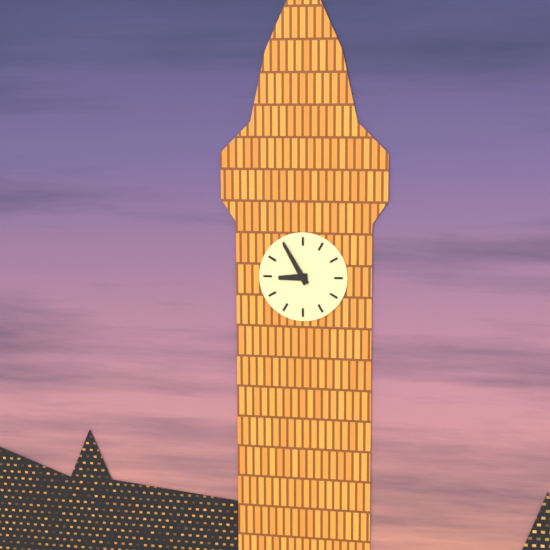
8,55
